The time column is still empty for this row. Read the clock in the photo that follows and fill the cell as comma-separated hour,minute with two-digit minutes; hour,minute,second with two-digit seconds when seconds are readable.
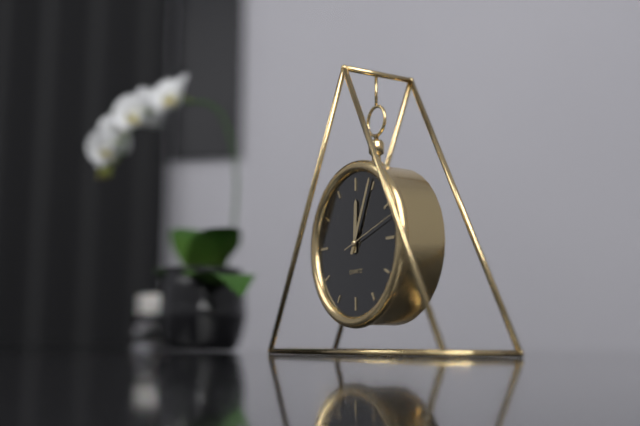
12,04,12
